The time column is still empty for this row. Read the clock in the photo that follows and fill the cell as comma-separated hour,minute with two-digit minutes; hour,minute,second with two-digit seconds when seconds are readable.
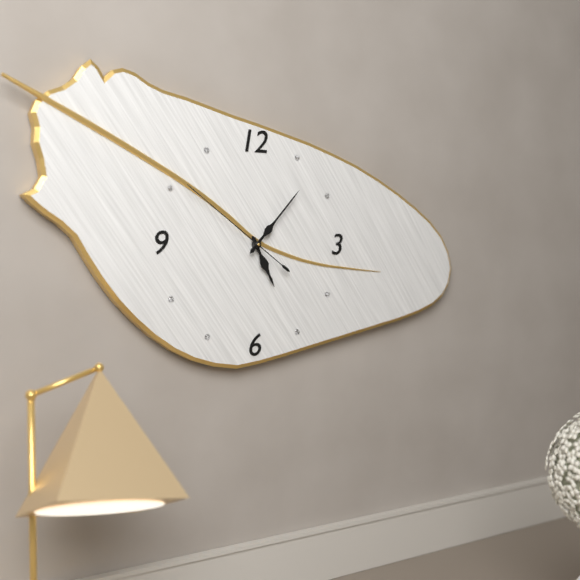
5,07,51
